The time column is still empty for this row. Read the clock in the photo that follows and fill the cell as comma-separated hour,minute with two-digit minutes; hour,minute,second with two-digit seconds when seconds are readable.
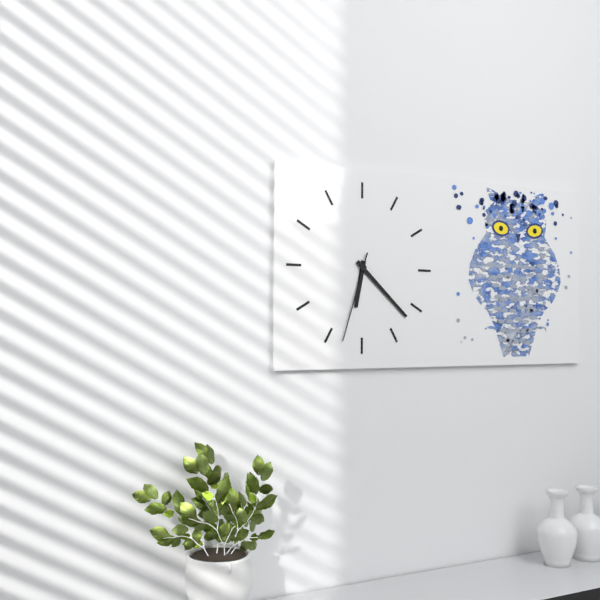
6,22,33
